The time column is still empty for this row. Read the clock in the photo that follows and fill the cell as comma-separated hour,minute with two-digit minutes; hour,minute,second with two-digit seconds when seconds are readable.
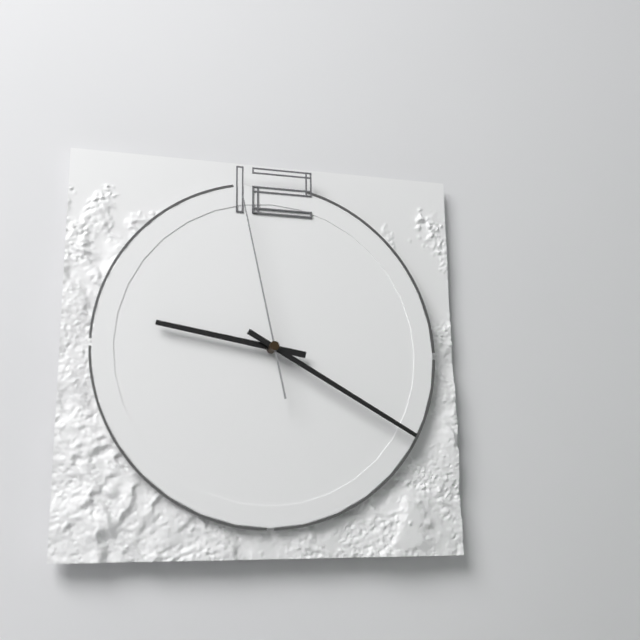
9,20,58
